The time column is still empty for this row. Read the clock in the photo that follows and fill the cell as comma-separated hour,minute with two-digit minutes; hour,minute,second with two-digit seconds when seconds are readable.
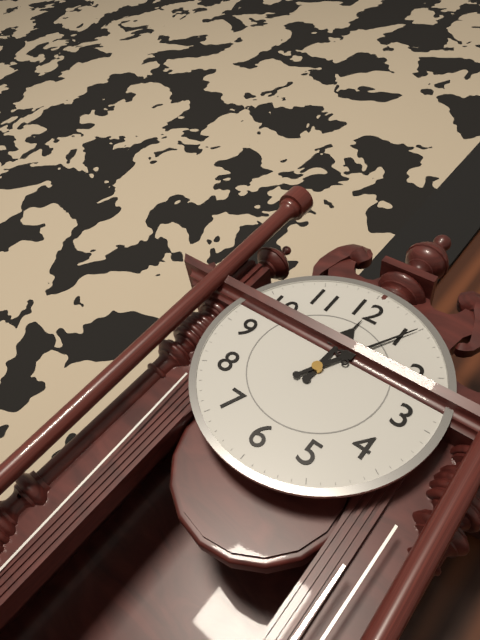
12,05
